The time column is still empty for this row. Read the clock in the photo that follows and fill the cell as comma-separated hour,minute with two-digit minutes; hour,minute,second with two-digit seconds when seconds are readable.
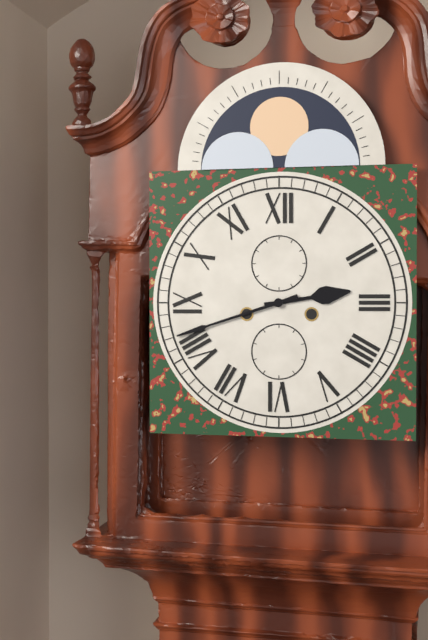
2,42
